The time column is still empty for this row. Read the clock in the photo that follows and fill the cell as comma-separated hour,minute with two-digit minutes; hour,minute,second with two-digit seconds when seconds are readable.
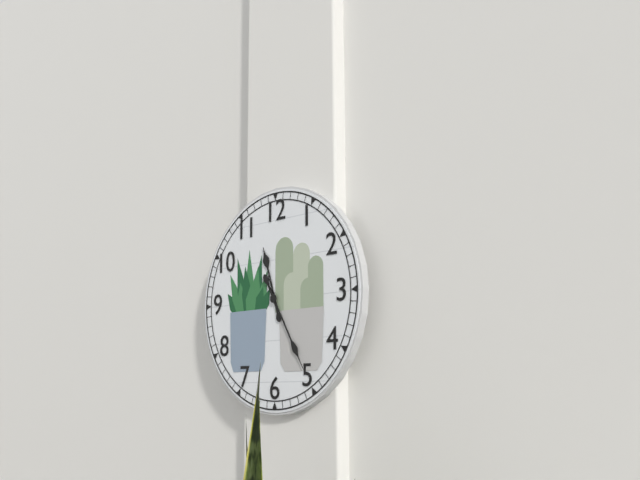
11,25
